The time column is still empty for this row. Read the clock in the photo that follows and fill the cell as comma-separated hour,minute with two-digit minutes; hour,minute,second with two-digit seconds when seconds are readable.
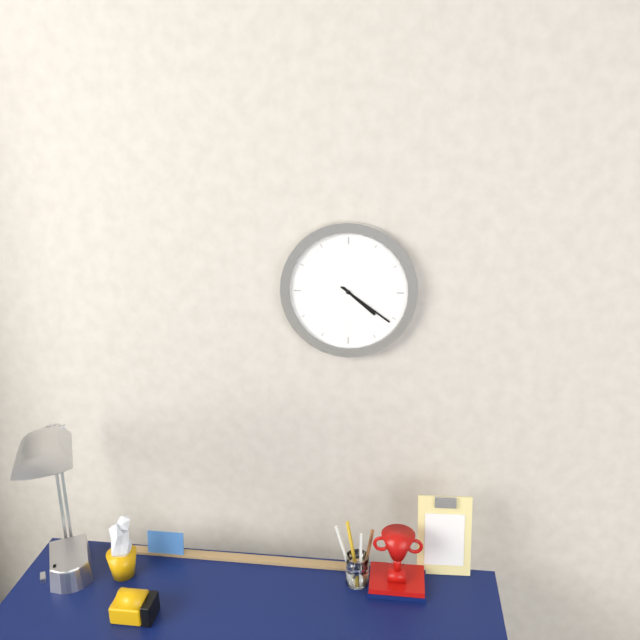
4,21
